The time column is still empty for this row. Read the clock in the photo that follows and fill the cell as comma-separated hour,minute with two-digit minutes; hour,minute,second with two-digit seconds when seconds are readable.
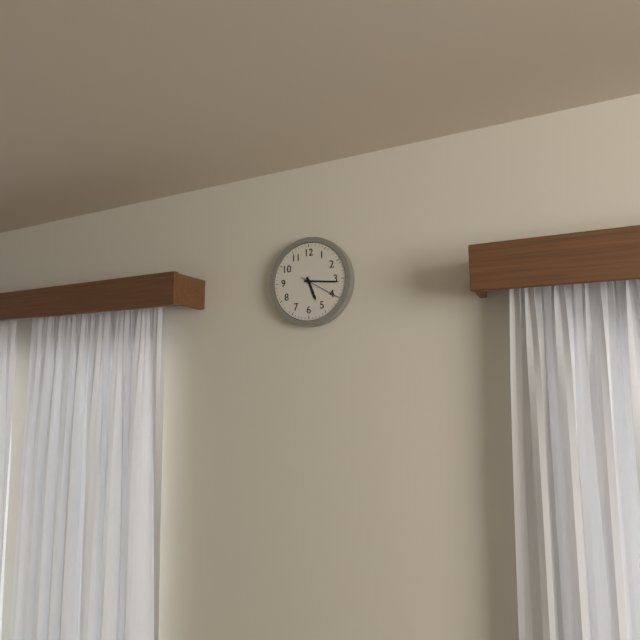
5,16
